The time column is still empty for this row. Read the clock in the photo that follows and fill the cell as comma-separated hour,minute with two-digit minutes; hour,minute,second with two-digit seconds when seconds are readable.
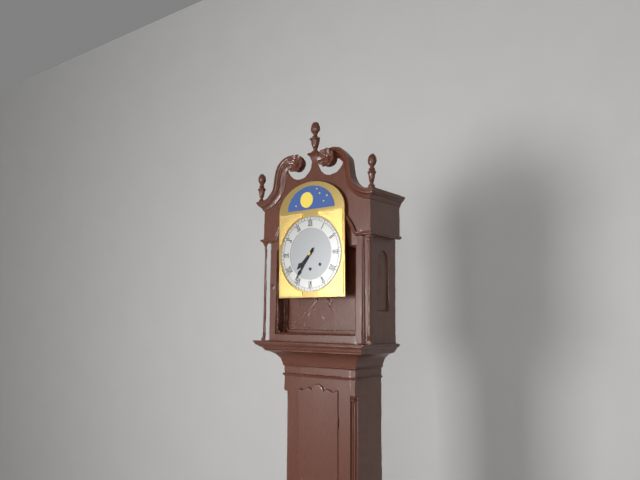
7,36
